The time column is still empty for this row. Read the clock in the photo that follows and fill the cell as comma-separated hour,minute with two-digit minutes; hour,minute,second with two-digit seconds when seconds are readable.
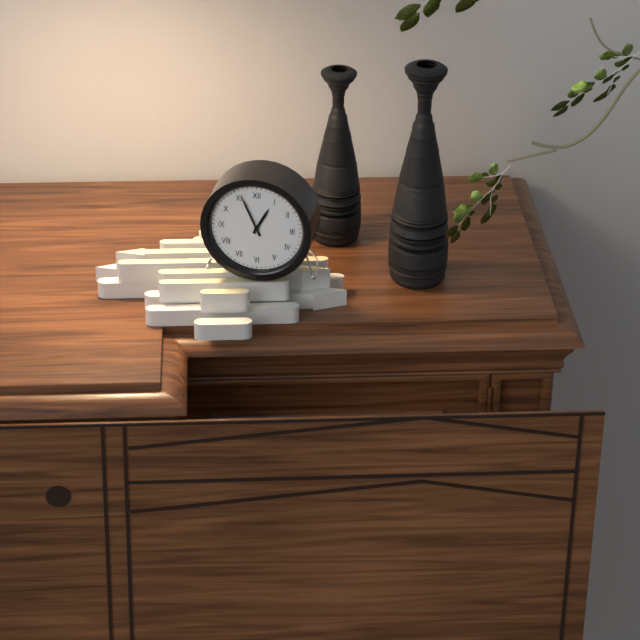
12,56
